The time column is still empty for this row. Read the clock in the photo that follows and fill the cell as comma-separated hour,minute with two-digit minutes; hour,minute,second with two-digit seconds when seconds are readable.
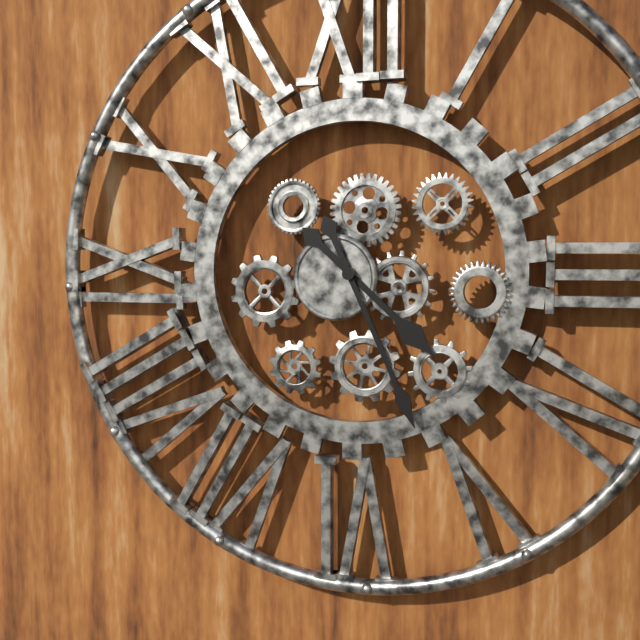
4,26
